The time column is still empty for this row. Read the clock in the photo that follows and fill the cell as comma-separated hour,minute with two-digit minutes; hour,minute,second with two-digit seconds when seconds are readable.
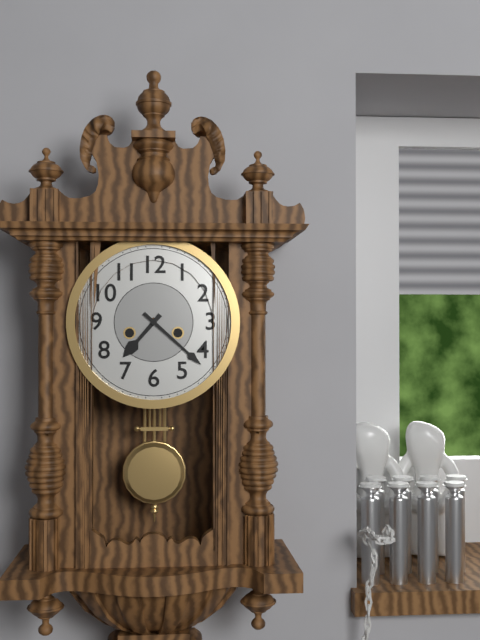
7,22
